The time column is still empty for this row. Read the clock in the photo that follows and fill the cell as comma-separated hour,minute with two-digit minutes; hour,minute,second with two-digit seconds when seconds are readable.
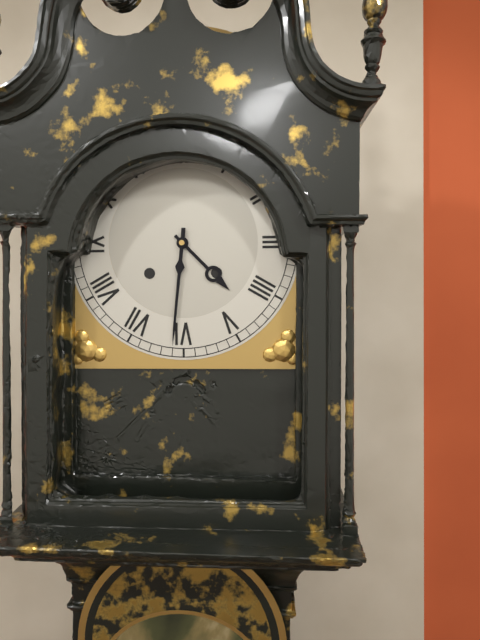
4,31
